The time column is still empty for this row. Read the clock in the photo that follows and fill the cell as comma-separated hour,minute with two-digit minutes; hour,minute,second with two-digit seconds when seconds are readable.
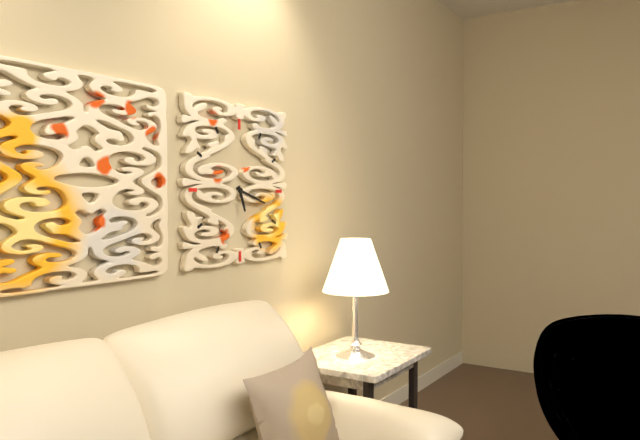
5,18
